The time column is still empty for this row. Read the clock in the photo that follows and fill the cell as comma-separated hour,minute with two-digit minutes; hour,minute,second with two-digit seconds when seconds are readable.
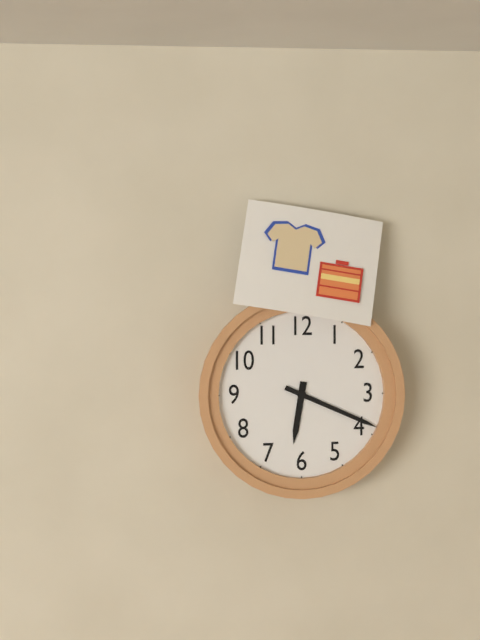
6,19
